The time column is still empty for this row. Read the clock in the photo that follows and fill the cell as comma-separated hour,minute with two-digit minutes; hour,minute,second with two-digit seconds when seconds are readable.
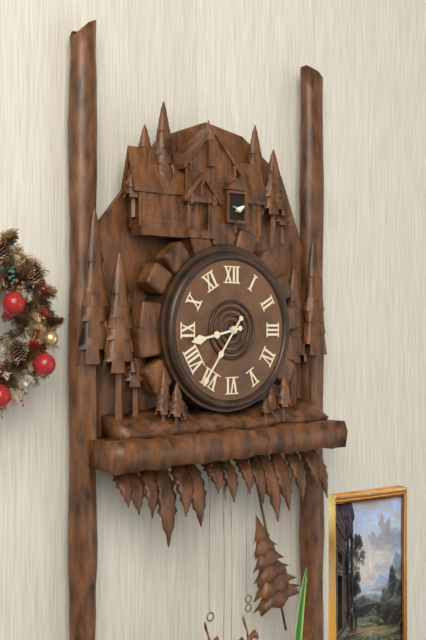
8,36
